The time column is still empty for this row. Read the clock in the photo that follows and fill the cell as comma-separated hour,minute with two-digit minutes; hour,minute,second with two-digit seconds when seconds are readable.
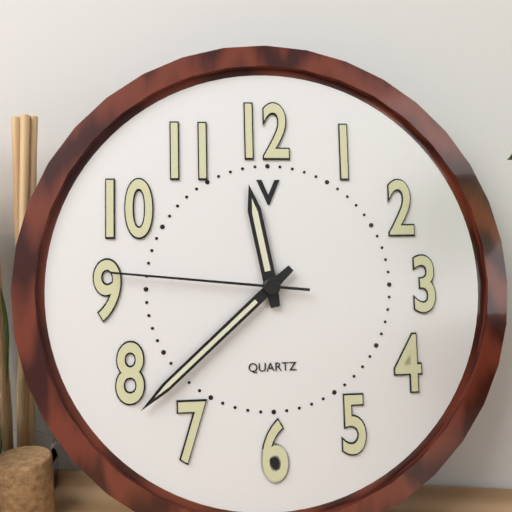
11,38,46
